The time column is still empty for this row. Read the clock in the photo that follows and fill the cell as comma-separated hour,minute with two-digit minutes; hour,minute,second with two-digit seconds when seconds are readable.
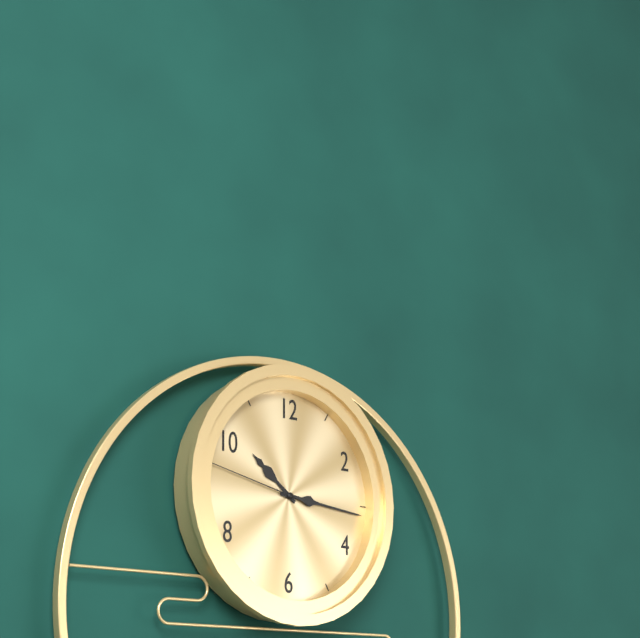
10,16,47
